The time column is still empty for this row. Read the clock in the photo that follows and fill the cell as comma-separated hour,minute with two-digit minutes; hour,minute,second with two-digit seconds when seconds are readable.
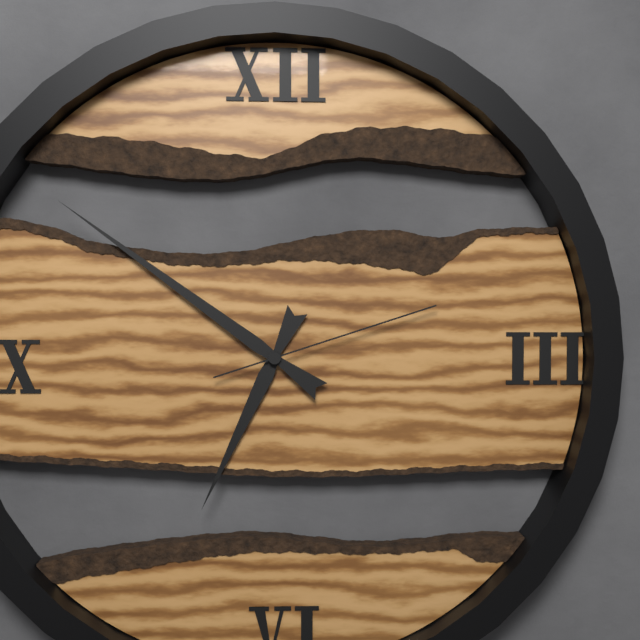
6,51,12
